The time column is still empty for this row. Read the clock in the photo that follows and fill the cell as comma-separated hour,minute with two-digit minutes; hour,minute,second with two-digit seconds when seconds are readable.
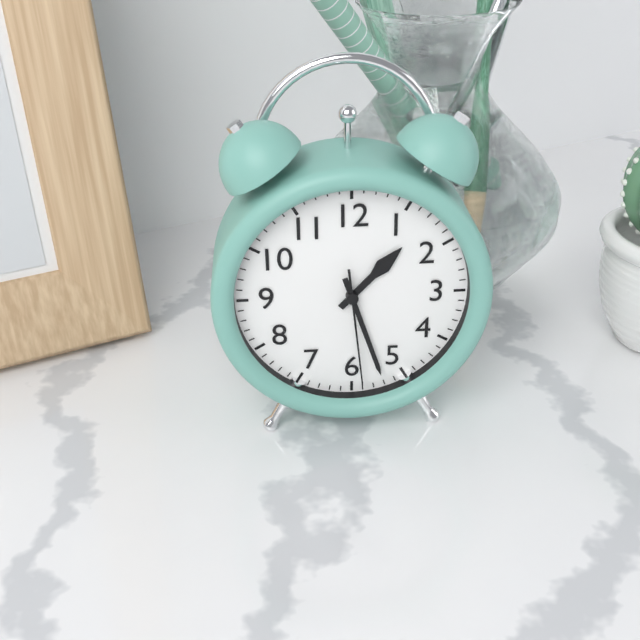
1,27,29
